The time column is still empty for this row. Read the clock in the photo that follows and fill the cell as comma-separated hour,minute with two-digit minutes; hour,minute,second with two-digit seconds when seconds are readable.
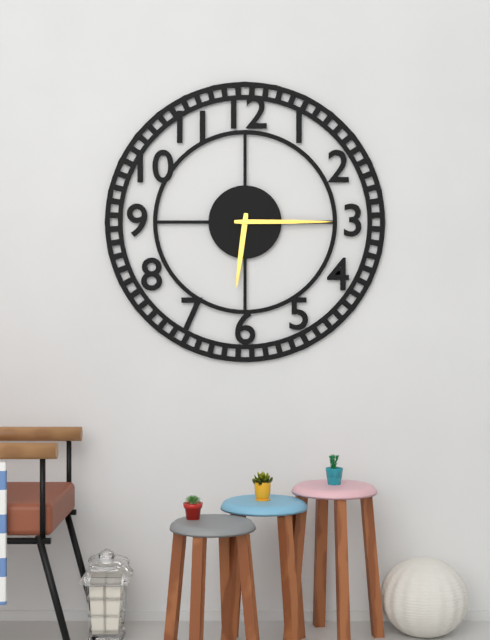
6,15
